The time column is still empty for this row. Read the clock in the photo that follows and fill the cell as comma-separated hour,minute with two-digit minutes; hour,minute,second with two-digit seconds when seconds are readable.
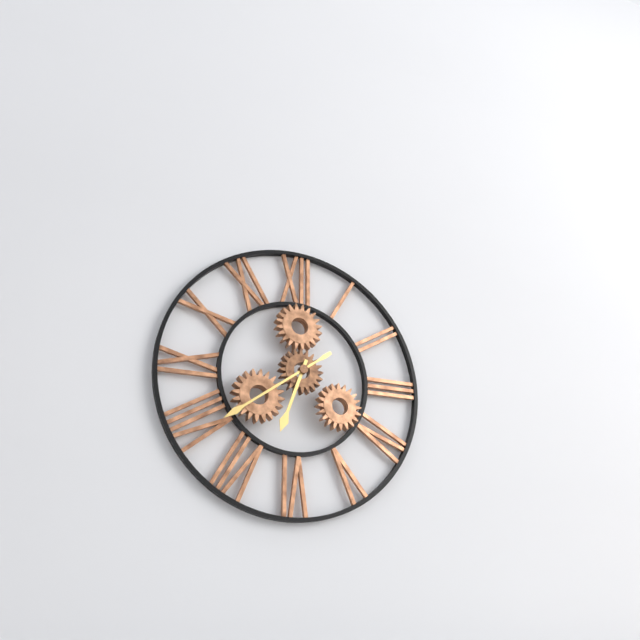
6,39
